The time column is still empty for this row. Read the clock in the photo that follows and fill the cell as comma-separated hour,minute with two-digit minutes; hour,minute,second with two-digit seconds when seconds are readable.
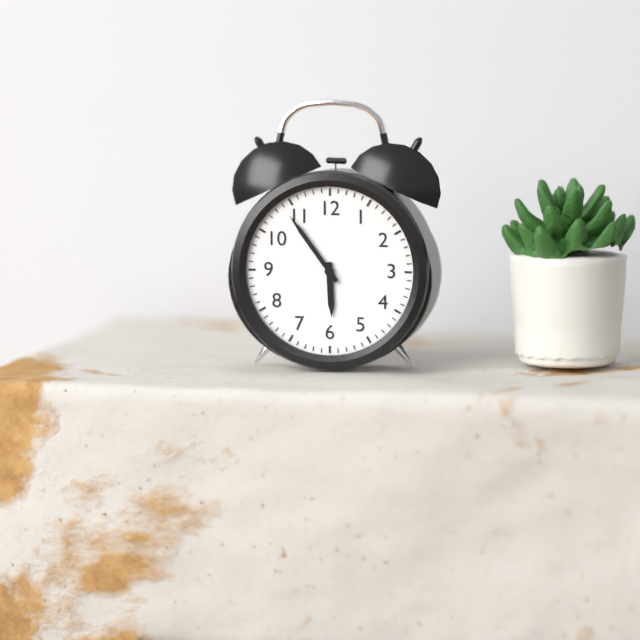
5,54
